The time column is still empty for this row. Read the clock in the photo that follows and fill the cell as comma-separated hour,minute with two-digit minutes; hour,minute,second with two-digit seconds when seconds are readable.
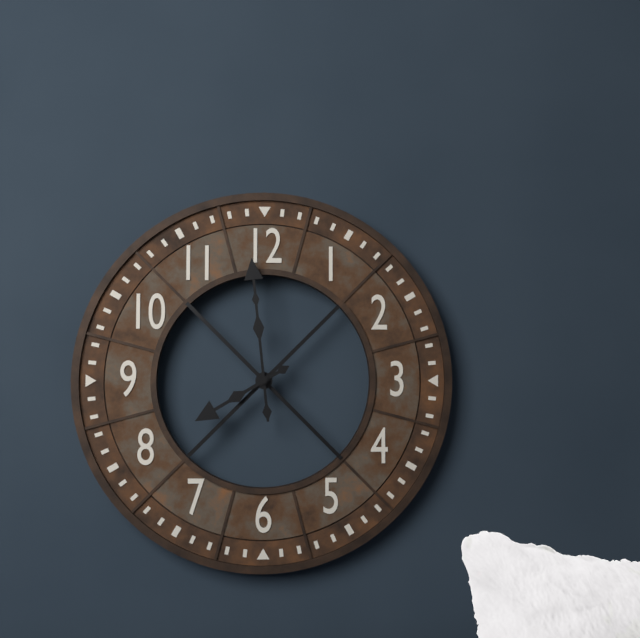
7,59
